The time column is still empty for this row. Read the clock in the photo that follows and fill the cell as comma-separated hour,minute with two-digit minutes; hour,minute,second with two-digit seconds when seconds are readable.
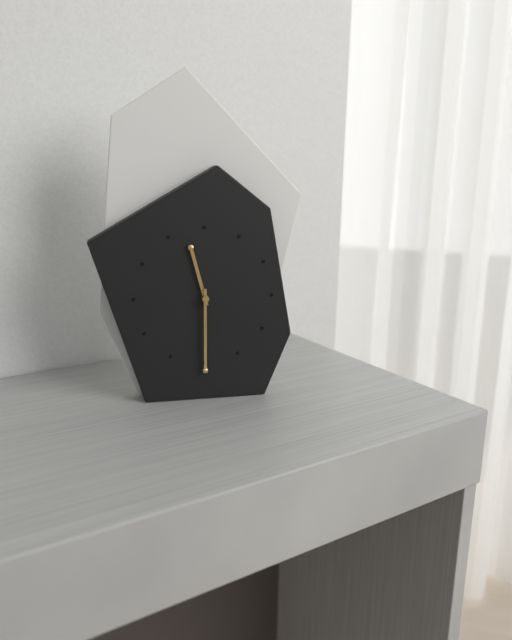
11,30
